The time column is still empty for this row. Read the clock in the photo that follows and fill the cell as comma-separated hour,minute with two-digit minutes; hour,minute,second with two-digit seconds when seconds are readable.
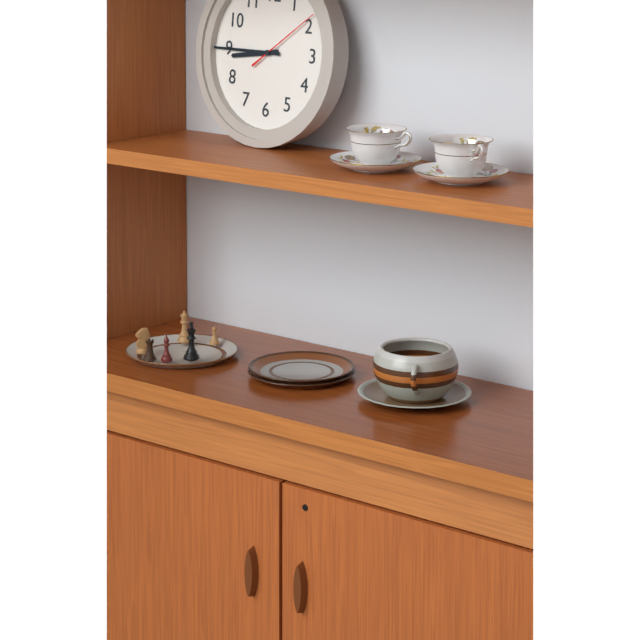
8,45,09
